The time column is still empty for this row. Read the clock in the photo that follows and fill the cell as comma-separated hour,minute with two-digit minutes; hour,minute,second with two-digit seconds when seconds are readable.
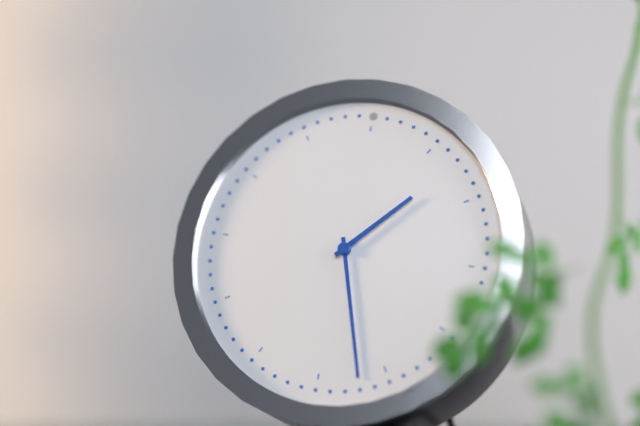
1,27
